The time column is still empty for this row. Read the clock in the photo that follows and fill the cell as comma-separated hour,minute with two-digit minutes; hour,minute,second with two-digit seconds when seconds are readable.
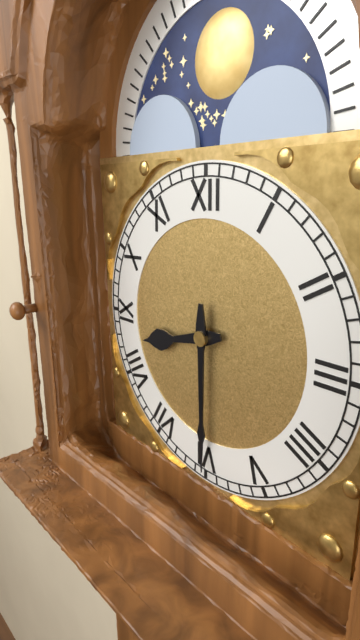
8,30
